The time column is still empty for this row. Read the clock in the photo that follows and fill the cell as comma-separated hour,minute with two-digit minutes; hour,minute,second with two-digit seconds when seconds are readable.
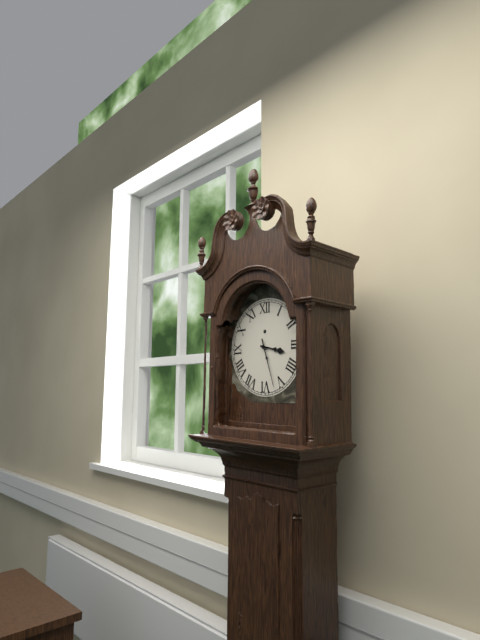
3,27
